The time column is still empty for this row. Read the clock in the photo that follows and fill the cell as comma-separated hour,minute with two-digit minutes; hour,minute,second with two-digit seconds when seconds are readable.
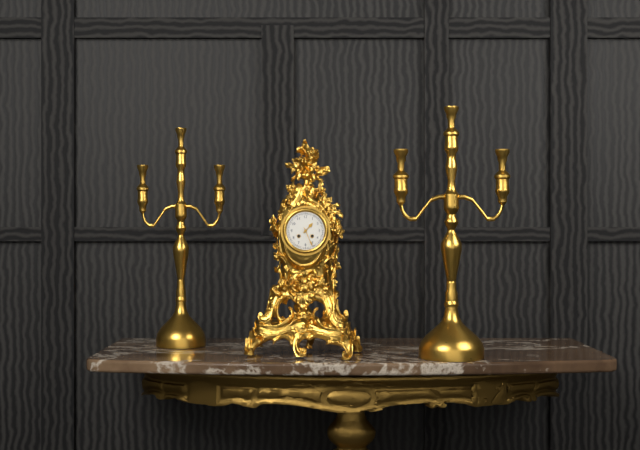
1,26
